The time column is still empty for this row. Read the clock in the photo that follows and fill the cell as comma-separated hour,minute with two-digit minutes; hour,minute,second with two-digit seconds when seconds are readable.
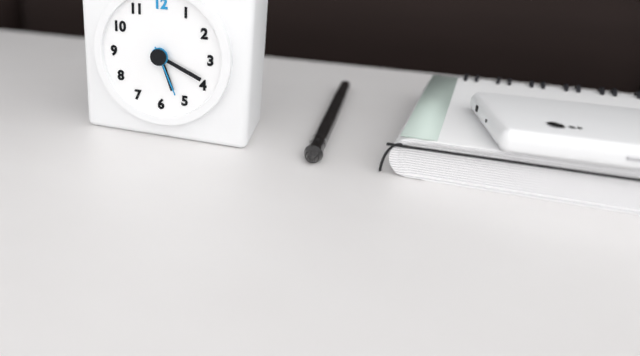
5,19,26
